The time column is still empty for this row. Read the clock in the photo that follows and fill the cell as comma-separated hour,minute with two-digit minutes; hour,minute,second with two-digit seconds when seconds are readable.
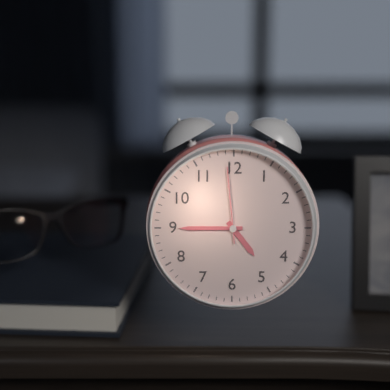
4,45,59
